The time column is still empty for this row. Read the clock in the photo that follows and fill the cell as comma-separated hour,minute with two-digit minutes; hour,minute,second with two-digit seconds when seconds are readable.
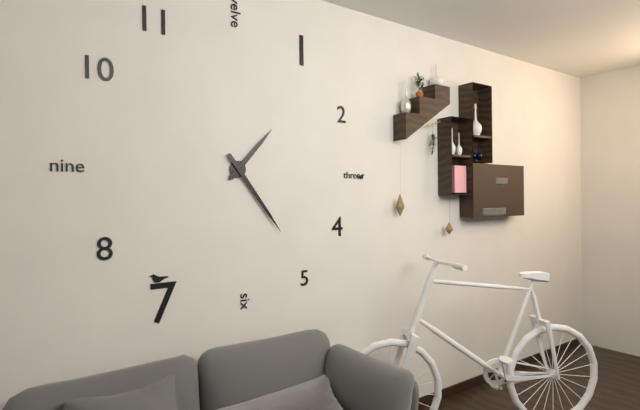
1,24
